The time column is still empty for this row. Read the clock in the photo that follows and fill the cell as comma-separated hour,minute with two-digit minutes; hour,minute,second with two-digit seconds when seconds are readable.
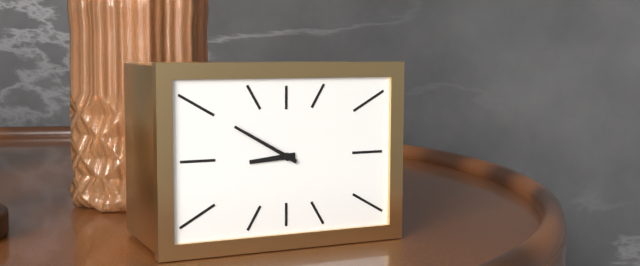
8,50
